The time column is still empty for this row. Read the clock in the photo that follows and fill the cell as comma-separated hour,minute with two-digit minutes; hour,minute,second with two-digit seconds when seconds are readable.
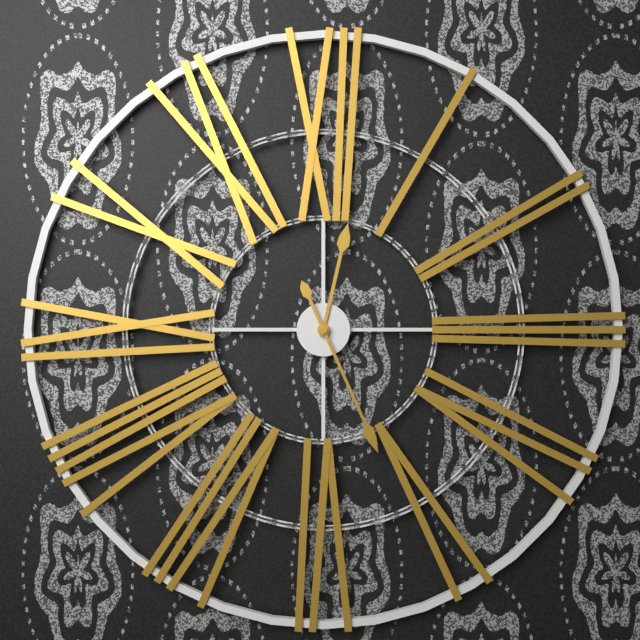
12,26
